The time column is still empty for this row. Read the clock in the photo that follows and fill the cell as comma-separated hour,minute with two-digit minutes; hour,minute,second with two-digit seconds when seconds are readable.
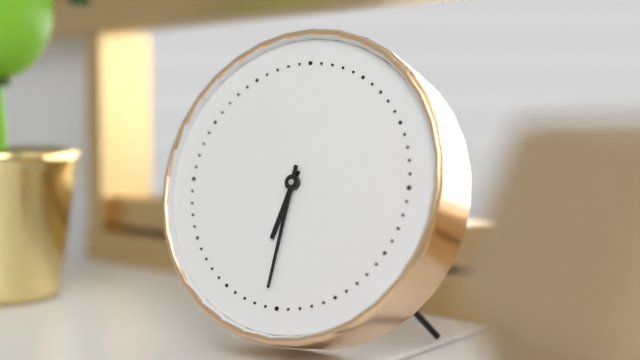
6,31
